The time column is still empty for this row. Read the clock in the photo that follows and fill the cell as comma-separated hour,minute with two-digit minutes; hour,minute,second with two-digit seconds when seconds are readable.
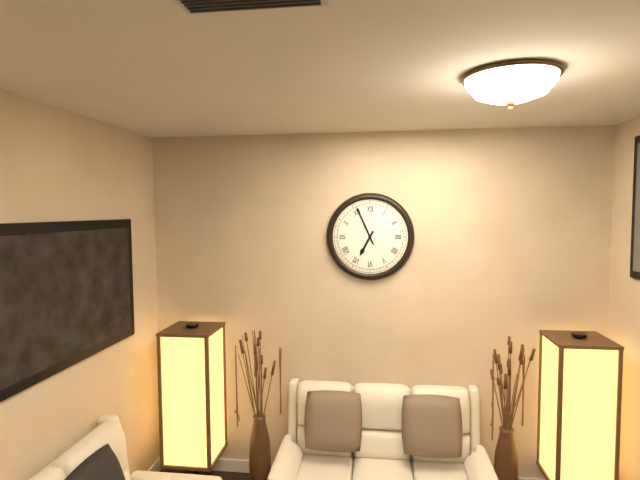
6,56
